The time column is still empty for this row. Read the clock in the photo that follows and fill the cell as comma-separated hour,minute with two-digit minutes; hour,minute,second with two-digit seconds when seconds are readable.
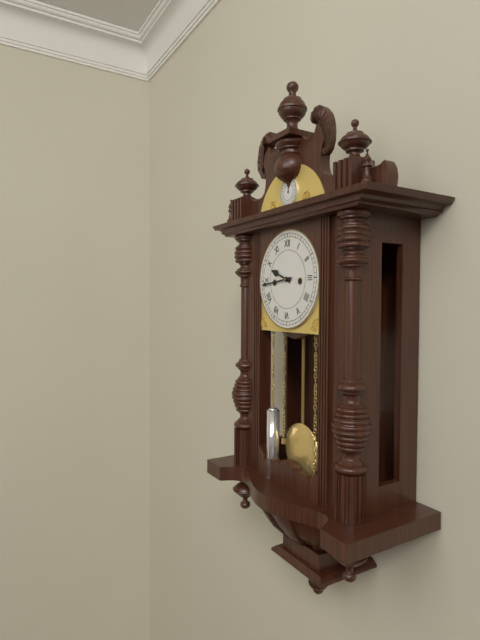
9,44
